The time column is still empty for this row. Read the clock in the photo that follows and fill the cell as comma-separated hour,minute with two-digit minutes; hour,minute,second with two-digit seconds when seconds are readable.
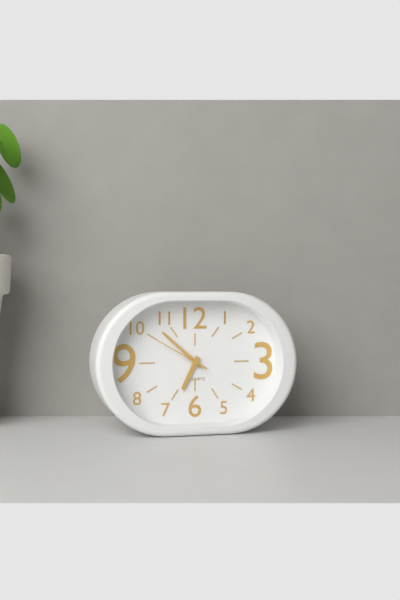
6,52,50
